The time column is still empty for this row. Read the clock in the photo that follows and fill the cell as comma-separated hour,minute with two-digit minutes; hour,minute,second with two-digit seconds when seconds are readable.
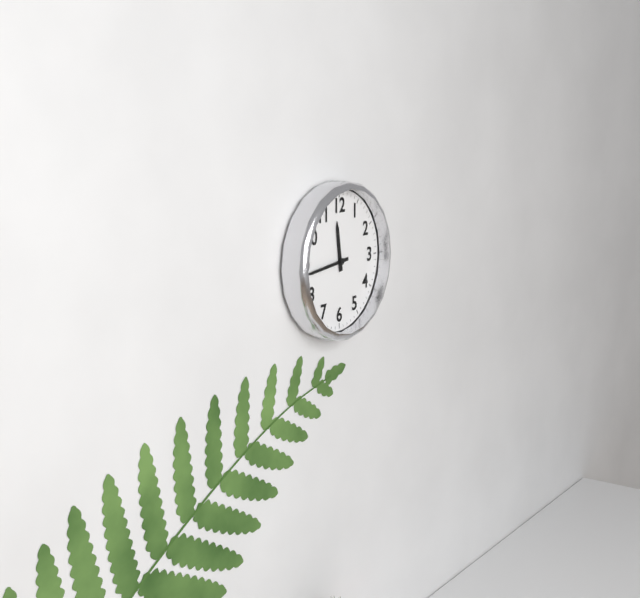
11,44
